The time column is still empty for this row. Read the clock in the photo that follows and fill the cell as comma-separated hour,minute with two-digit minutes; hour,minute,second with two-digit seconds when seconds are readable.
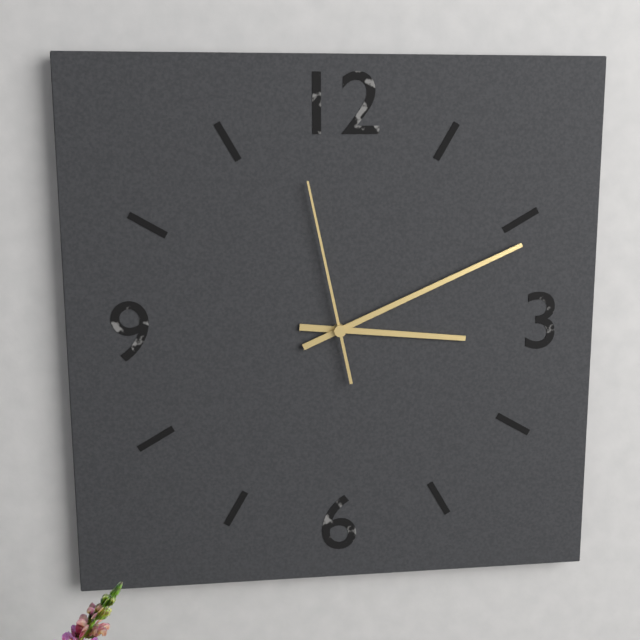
3,11,58
